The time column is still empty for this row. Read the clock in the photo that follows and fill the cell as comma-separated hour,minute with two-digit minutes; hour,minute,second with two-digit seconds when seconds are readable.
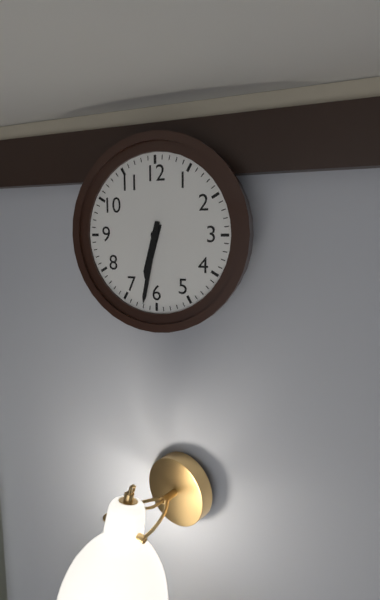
6,32
